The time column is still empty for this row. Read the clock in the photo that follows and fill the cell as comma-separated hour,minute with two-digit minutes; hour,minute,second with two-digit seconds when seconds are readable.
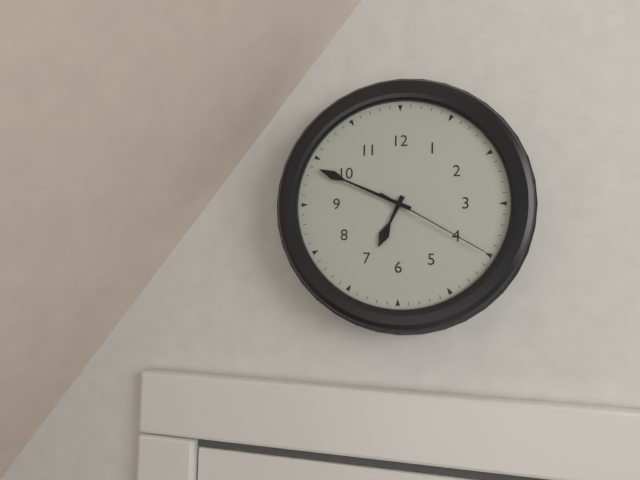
6,49,20
